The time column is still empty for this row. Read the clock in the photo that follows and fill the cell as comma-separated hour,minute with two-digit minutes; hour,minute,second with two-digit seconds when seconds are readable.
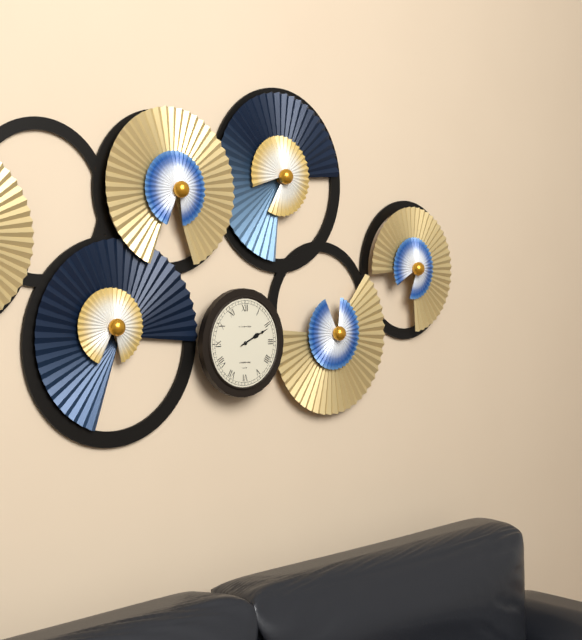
2,11
